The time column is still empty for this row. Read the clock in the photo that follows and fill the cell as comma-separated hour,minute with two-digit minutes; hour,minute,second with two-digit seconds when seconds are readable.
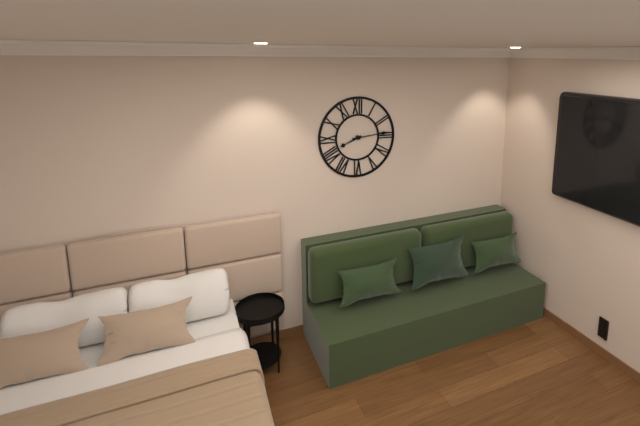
8,14
